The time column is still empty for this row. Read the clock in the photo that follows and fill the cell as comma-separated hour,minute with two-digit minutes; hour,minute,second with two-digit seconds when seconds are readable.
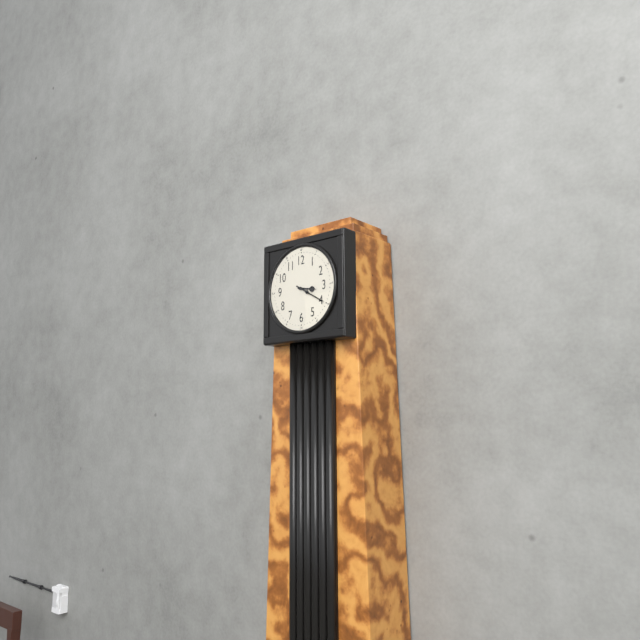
3,20
